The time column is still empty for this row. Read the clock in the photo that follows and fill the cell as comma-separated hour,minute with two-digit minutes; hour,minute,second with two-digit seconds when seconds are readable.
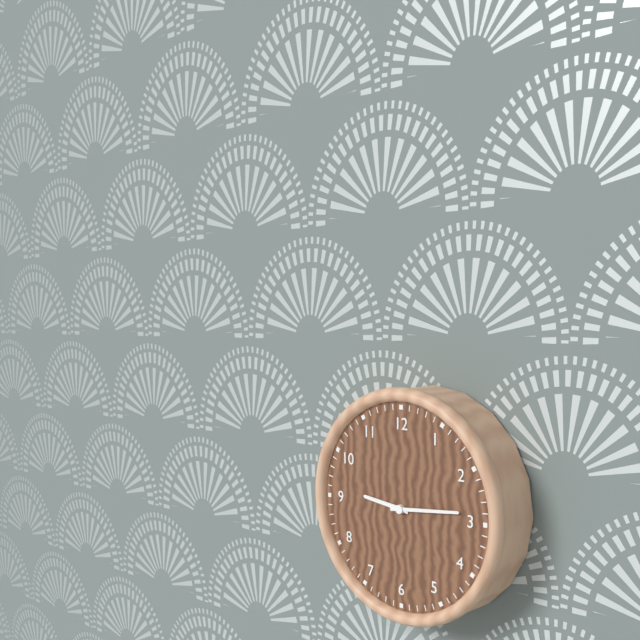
9,14
